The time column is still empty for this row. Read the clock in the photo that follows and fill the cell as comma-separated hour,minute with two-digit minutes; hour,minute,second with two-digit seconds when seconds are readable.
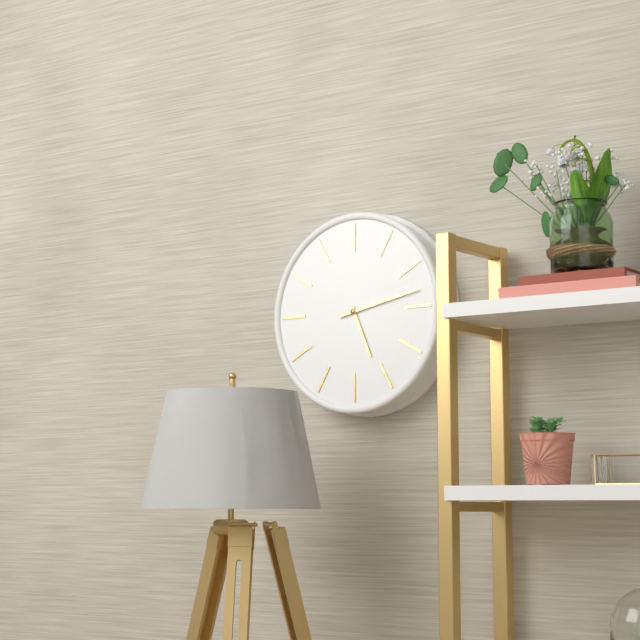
5,13
